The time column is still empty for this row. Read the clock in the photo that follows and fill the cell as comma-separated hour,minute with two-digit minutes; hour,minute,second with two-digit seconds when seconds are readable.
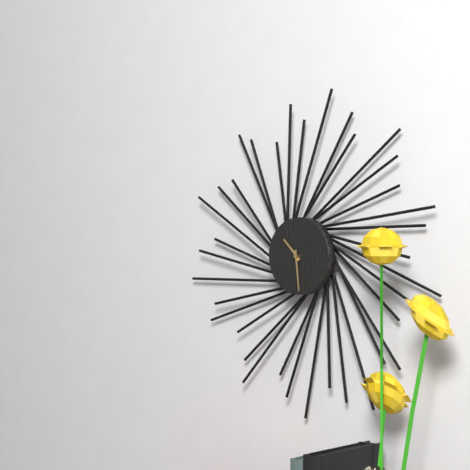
10,29
